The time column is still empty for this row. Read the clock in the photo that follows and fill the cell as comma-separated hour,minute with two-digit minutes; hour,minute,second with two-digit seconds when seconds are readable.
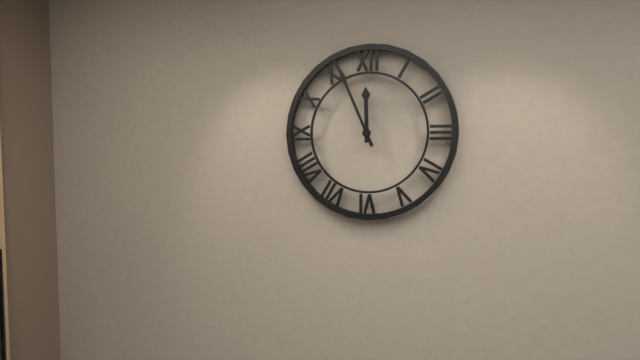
11,56
